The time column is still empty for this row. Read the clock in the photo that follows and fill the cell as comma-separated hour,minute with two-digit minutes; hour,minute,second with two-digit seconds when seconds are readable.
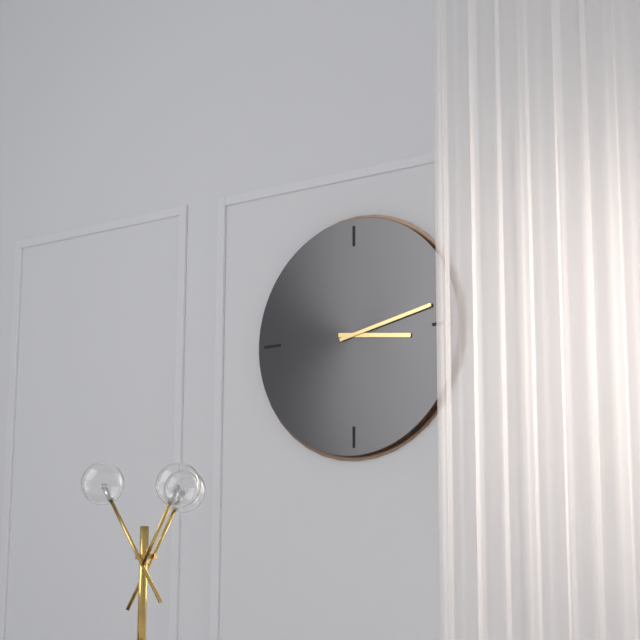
3,13
